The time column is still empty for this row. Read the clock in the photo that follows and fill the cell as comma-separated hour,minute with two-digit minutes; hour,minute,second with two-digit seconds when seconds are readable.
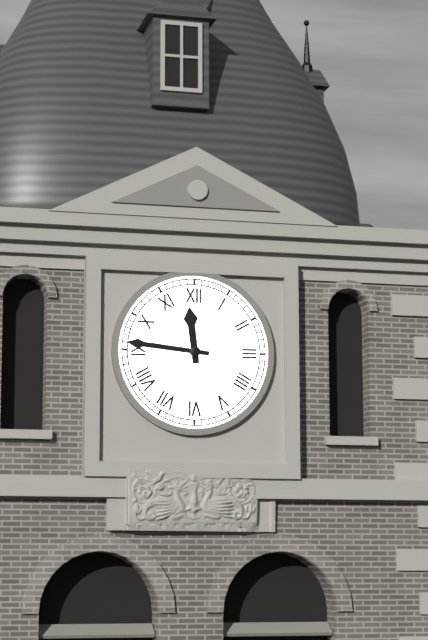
11,46
